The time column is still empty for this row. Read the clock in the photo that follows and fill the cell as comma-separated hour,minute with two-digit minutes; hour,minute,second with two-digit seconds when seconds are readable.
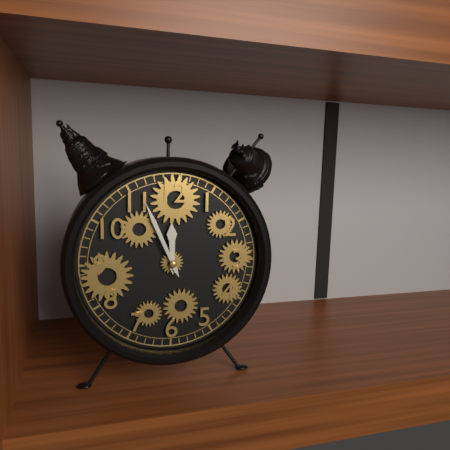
11,56
